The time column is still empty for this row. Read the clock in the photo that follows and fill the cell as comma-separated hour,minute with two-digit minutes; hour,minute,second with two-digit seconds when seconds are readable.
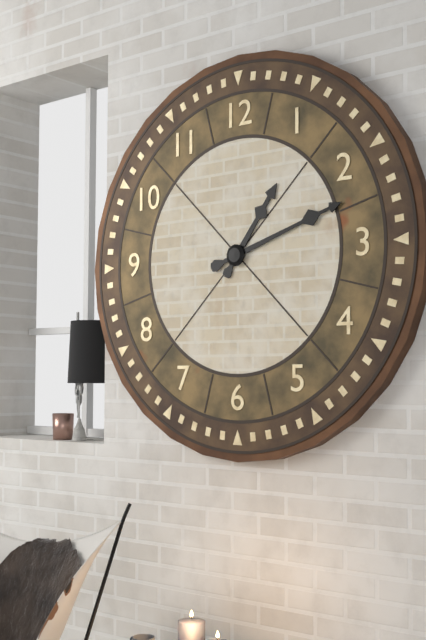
1,12
